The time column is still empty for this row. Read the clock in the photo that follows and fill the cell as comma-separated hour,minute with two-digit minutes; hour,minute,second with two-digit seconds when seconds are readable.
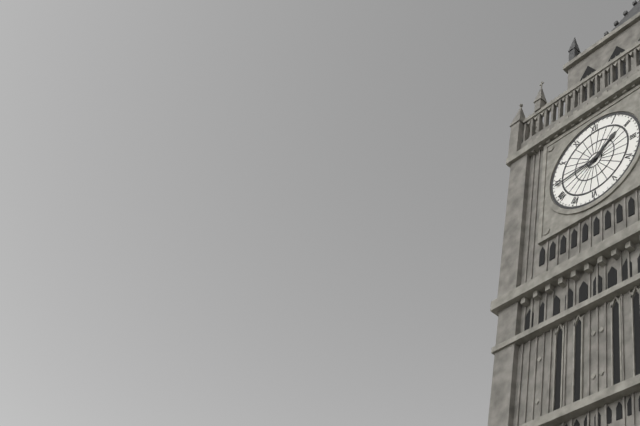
1,44
